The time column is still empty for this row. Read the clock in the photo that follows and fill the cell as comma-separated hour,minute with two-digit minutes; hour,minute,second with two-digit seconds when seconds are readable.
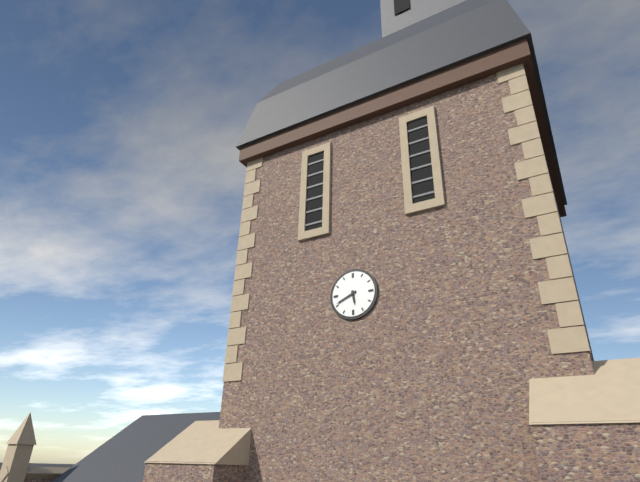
5,41
